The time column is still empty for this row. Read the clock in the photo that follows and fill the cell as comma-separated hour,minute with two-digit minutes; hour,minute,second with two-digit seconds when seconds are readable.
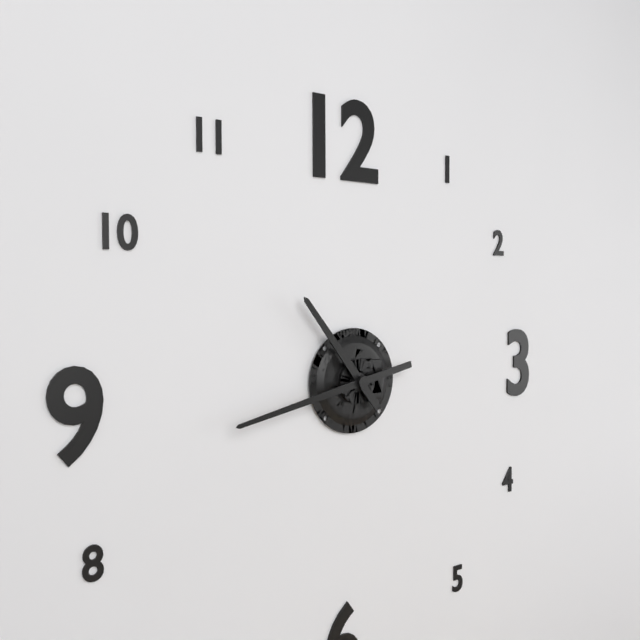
10,43
